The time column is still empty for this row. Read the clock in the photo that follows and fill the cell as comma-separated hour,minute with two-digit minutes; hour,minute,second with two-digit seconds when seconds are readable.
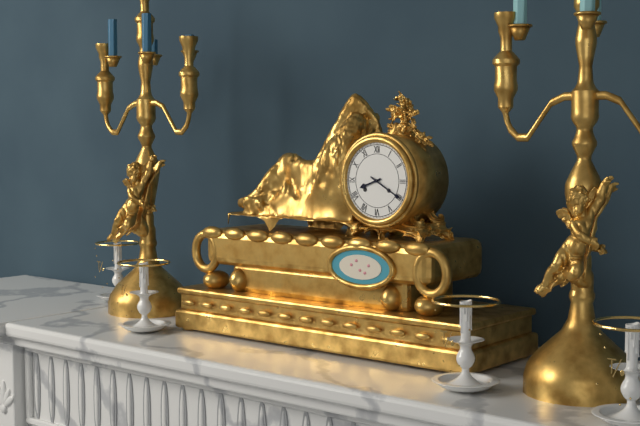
8,20
